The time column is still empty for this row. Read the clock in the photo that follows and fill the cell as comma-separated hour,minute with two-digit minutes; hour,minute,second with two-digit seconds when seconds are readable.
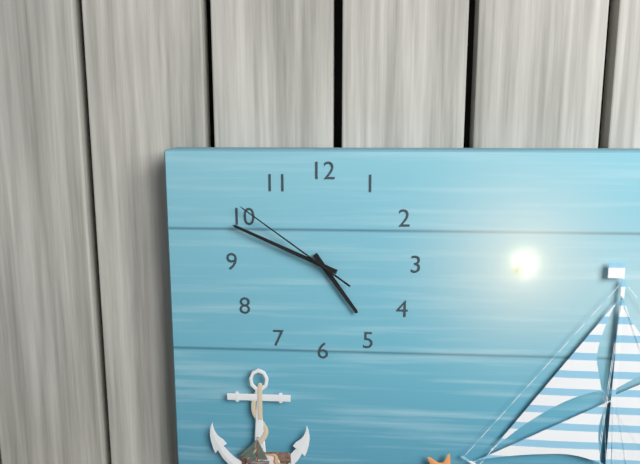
4,49,51
